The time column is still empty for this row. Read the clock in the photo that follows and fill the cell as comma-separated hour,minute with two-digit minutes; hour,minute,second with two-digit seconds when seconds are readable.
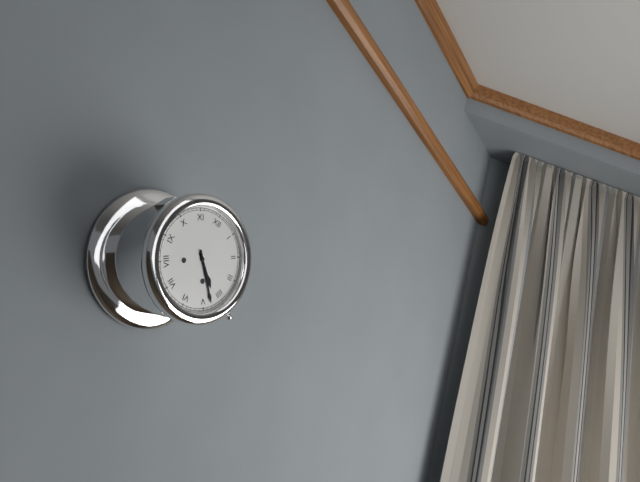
4,23
